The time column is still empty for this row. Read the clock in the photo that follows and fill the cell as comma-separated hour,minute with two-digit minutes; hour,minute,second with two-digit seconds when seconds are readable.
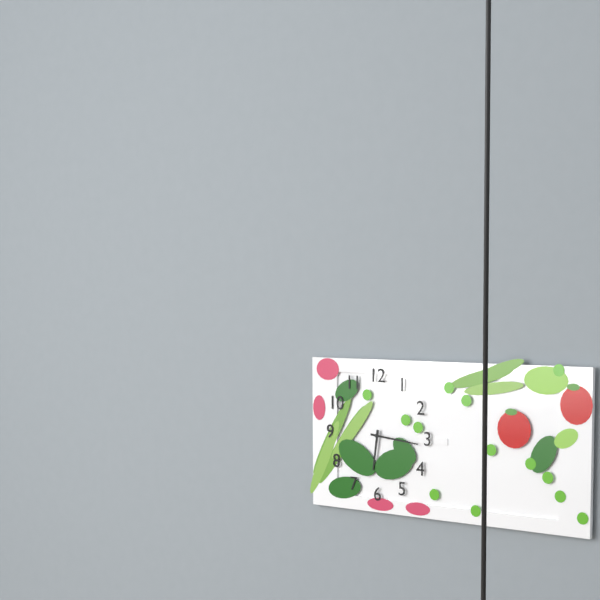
6,16
